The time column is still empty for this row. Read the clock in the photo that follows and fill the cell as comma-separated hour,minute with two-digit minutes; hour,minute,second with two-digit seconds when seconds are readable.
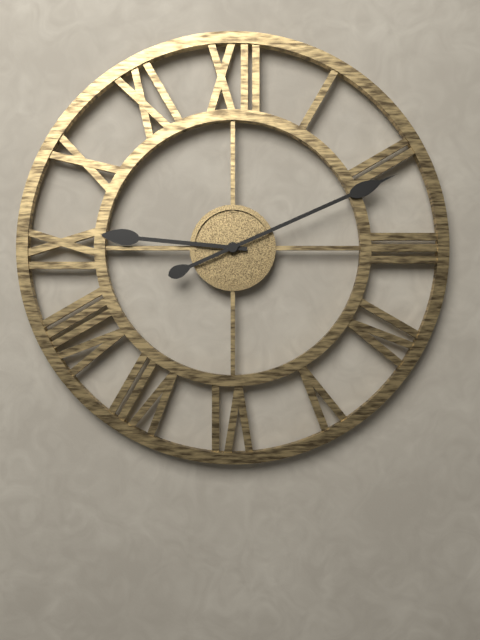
9,11
